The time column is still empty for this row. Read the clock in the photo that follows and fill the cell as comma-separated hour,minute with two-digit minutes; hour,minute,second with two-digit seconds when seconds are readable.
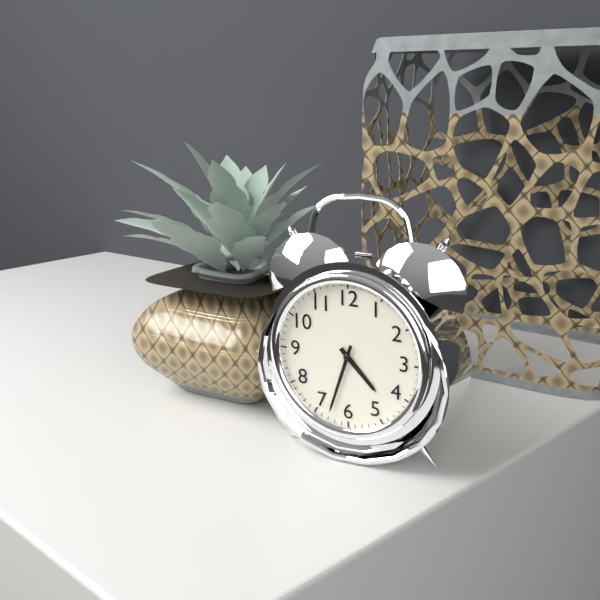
4,33
